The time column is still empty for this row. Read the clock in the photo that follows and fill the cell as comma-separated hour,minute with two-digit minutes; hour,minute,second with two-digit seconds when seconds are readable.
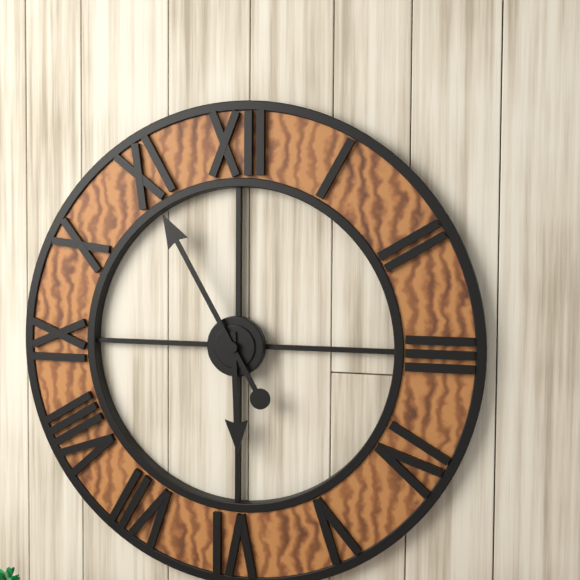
5,55
